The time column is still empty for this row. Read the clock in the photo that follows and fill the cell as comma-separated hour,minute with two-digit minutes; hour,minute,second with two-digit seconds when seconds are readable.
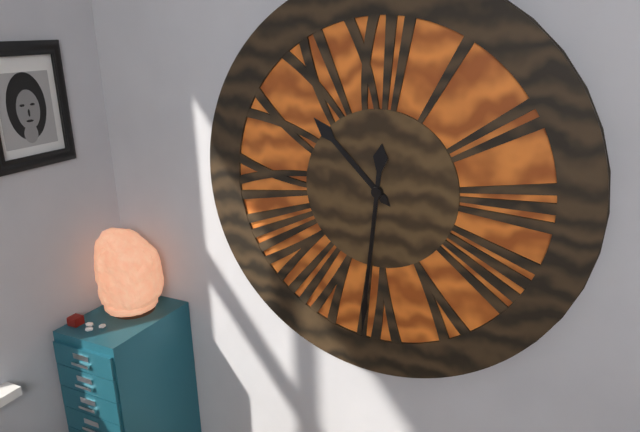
10,31
